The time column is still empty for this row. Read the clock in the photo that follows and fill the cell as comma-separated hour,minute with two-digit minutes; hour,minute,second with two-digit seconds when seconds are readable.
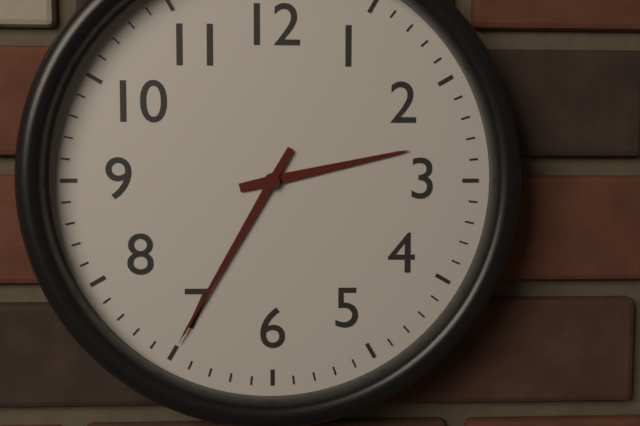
2,35
